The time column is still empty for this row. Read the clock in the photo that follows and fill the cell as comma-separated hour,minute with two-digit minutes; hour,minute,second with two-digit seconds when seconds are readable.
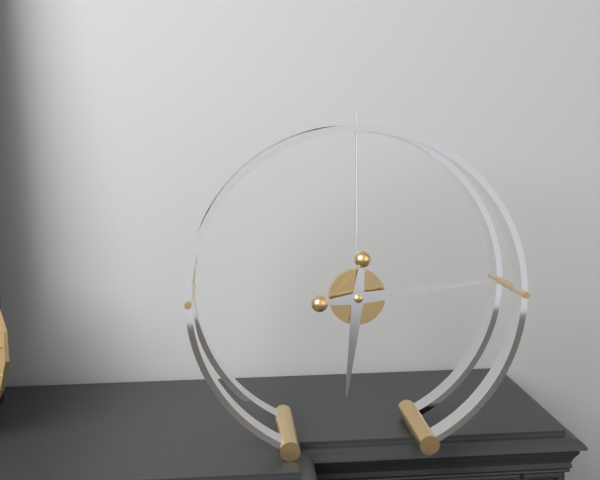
6,14
